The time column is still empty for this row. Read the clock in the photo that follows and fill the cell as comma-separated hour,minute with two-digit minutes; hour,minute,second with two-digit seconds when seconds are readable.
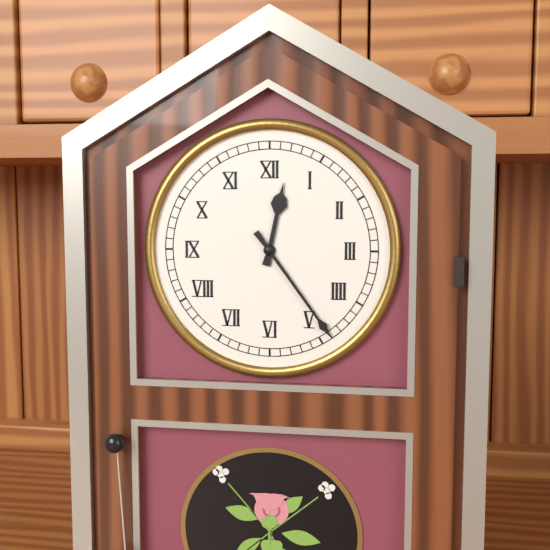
12,24
